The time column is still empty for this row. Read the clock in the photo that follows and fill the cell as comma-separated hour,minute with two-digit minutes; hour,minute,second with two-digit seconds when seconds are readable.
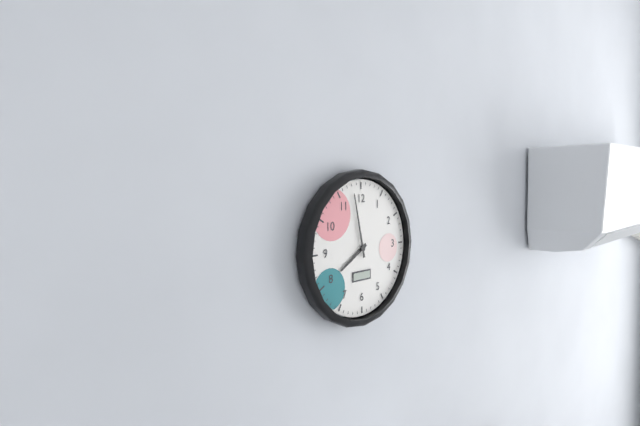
7,58
